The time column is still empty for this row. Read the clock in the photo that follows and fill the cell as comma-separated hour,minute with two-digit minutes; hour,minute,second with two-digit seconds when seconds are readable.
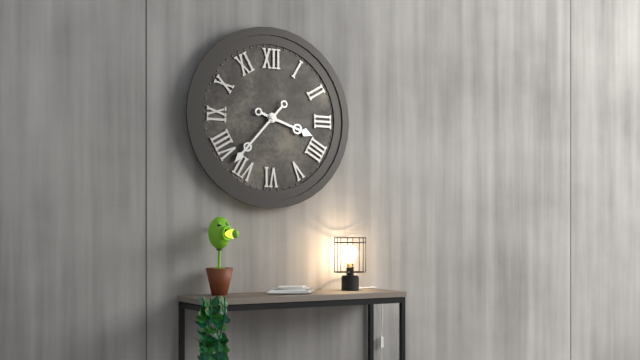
3,37
